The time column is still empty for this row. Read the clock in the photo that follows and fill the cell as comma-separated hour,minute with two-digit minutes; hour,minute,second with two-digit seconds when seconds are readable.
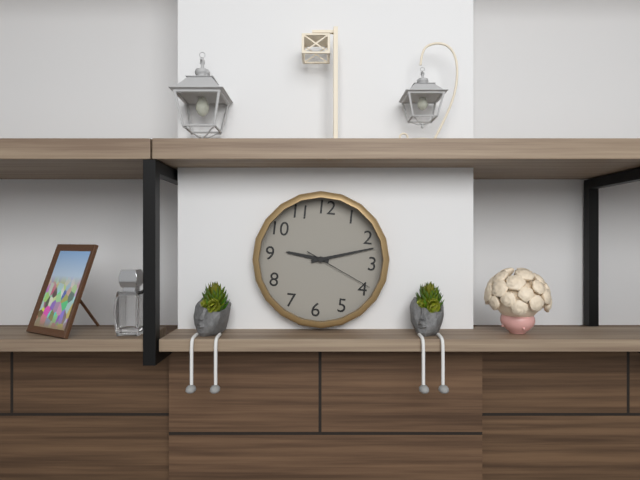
9,12,19
